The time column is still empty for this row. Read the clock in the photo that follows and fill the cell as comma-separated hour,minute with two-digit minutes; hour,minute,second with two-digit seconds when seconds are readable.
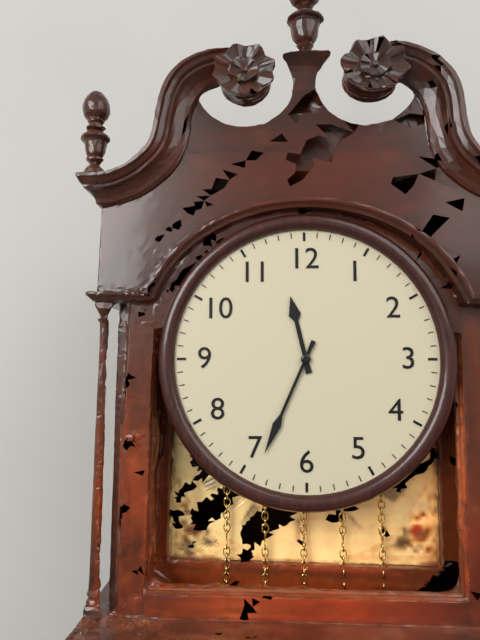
11,34
